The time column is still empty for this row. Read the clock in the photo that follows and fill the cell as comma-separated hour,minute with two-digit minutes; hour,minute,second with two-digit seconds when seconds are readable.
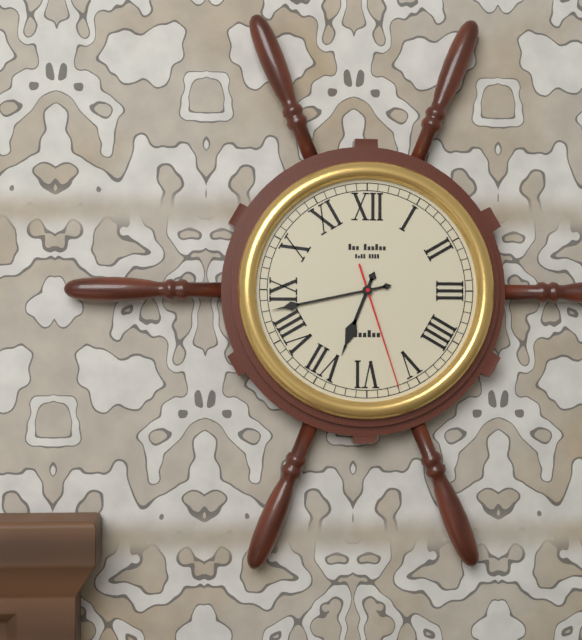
6,43,27
